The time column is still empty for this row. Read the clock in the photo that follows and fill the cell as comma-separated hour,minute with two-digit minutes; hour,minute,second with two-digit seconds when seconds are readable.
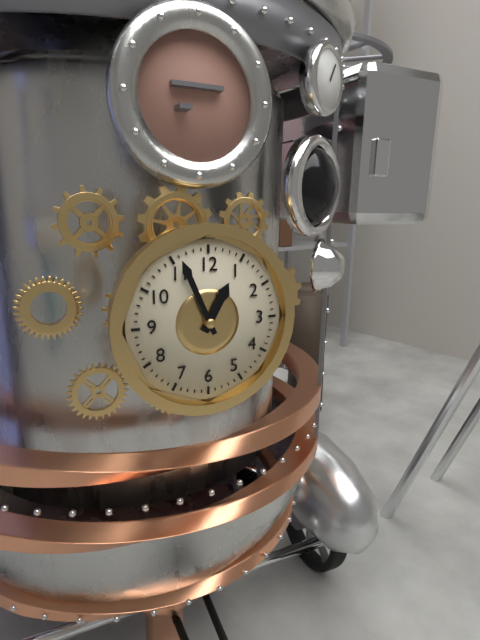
12,56
